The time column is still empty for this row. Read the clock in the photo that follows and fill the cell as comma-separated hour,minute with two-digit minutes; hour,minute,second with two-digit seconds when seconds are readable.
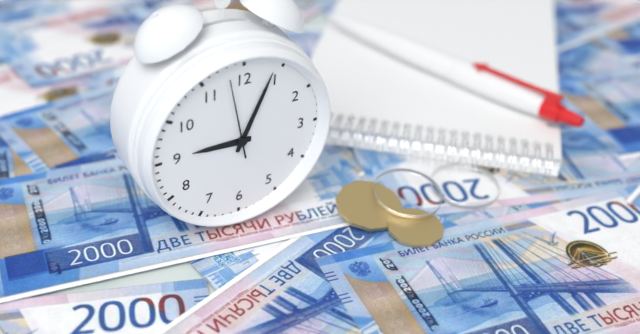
9,04,58
